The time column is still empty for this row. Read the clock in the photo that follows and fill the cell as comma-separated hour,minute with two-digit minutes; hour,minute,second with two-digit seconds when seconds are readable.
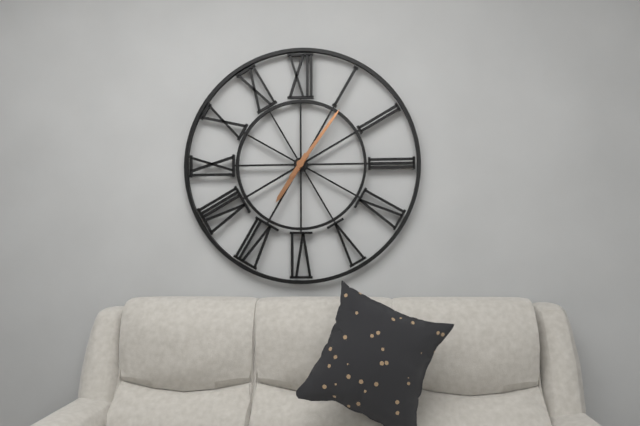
7,06
